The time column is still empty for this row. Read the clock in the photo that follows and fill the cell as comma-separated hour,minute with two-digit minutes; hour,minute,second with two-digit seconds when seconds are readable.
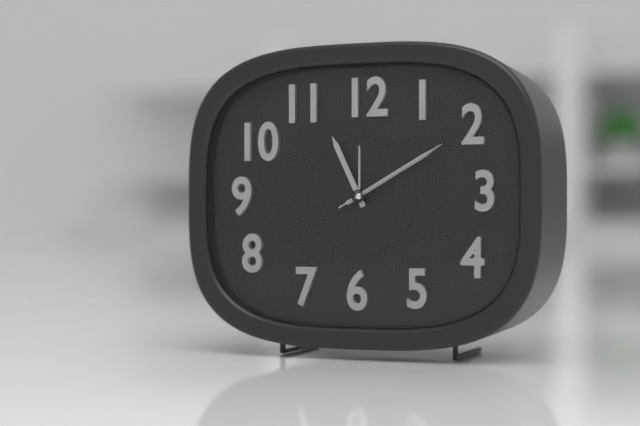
11,10,10
